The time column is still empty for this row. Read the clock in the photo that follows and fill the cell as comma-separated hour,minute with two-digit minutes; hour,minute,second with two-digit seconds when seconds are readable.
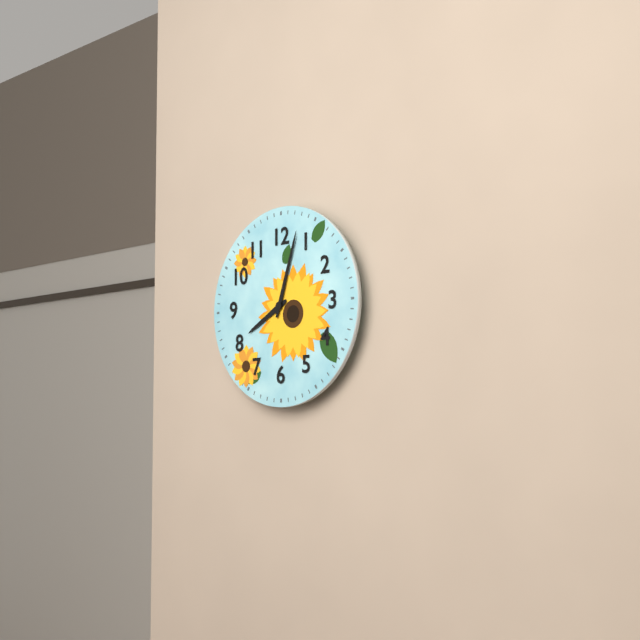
8,03
